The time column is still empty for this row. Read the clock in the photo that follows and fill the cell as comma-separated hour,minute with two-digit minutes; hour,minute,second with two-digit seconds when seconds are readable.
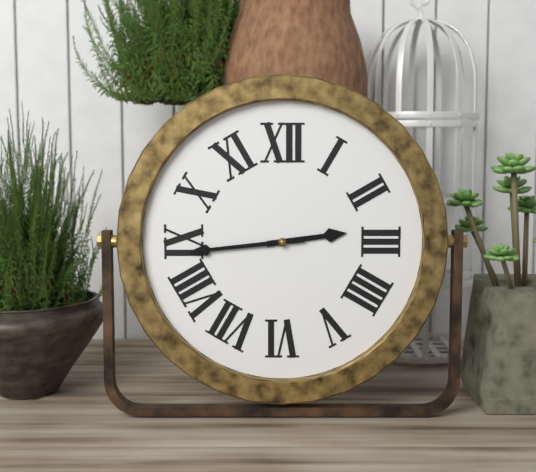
2,44
